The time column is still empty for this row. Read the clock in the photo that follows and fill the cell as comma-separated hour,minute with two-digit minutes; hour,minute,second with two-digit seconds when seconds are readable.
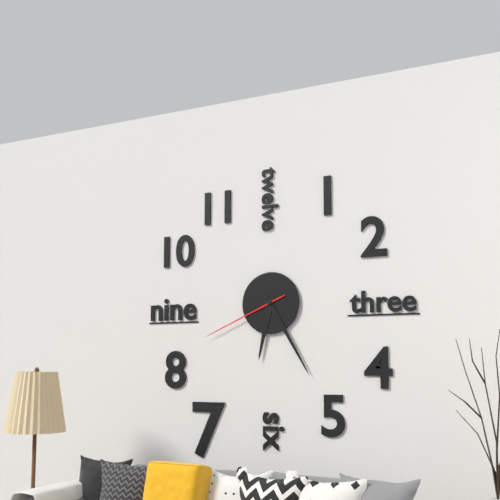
6,25,41
